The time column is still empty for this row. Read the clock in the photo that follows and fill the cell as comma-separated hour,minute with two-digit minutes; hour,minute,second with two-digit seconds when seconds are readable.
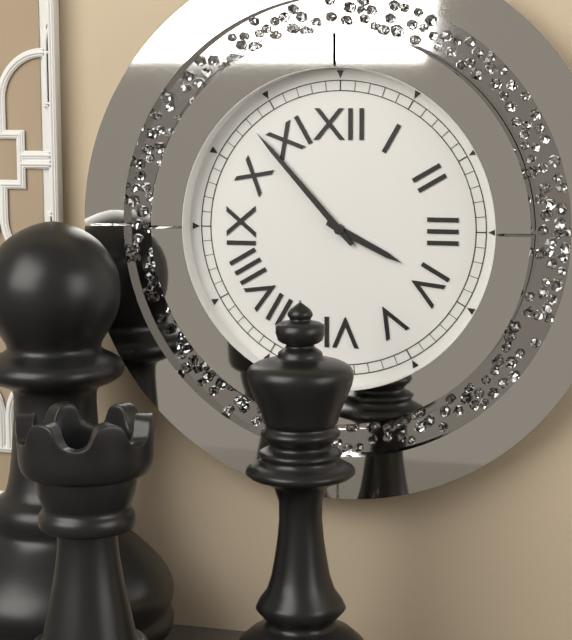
3,53
